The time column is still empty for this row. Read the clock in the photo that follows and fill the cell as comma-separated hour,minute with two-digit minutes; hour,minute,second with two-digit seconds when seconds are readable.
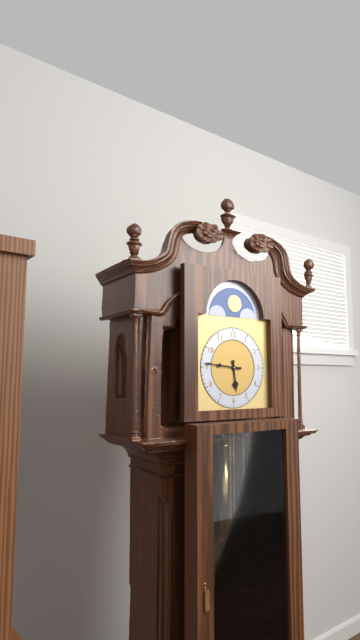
5,46
